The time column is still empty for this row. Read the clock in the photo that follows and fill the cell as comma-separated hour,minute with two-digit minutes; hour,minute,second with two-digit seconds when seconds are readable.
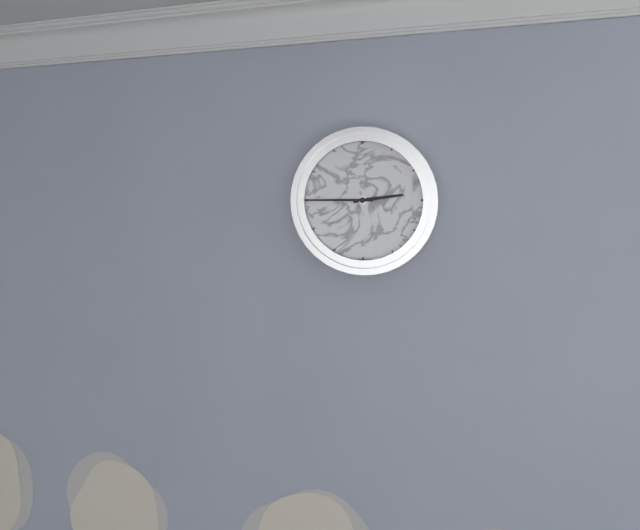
2,45
